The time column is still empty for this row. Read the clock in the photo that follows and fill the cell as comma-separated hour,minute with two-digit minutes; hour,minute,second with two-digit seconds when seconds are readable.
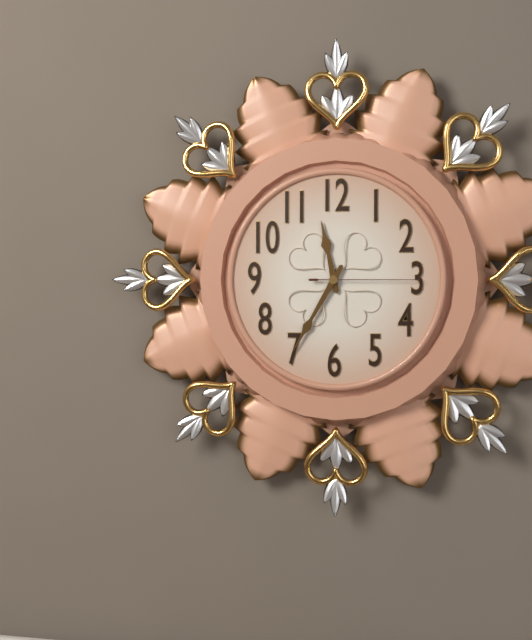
11,35,15
